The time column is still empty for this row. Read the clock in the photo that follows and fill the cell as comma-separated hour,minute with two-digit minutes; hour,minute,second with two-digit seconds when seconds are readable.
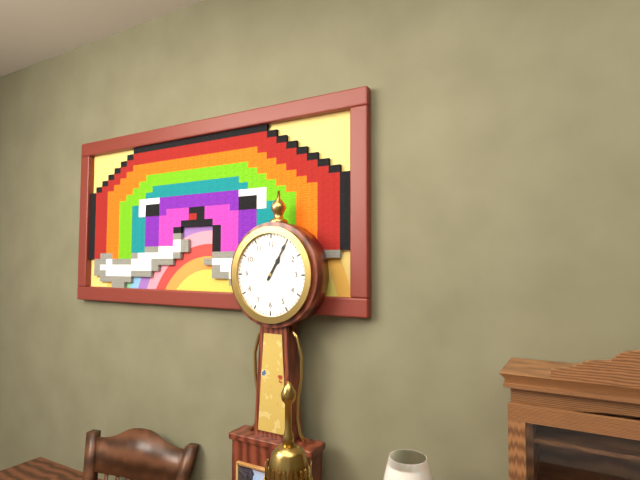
1,05
